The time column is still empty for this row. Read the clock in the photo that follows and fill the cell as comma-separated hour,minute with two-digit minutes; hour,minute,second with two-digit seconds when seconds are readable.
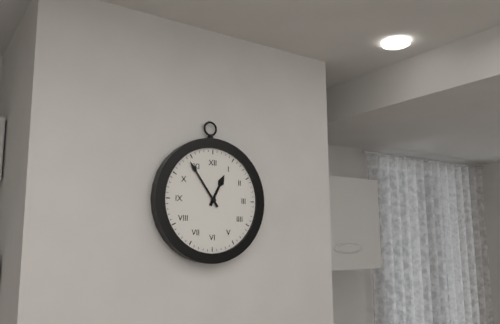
12,54
